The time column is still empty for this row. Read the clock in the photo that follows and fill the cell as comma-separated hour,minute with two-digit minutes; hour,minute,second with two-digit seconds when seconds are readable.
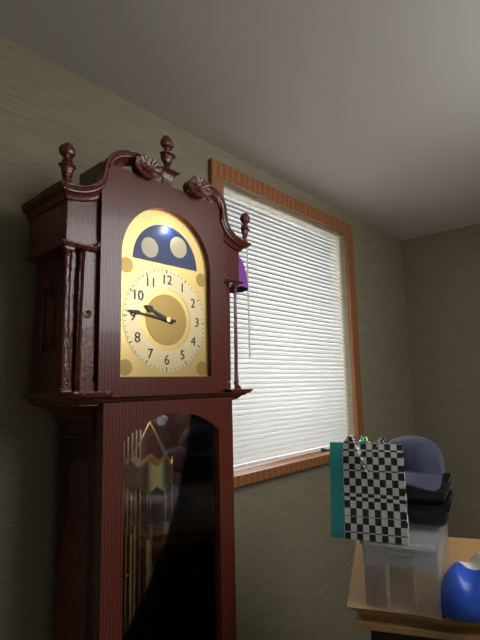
9,46
